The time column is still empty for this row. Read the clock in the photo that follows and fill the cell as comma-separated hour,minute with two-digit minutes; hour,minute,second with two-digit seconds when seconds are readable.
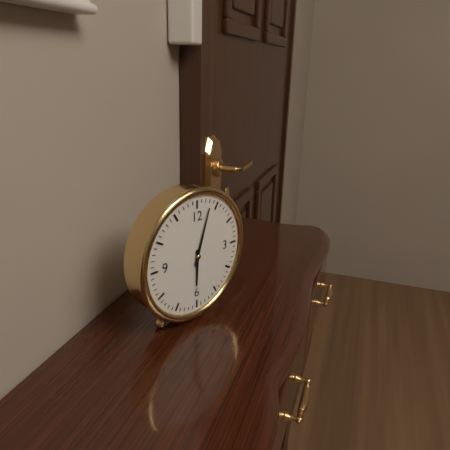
6,03
